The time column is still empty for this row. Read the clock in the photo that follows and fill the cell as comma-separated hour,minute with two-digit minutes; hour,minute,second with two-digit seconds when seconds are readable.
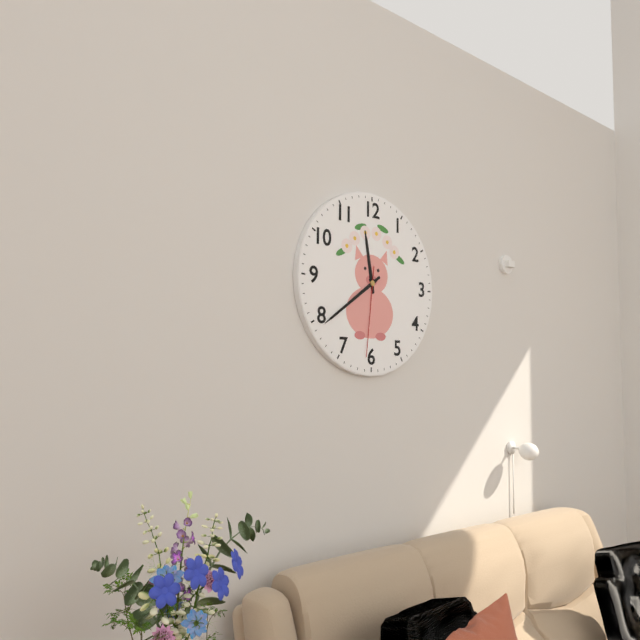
11,39,31
